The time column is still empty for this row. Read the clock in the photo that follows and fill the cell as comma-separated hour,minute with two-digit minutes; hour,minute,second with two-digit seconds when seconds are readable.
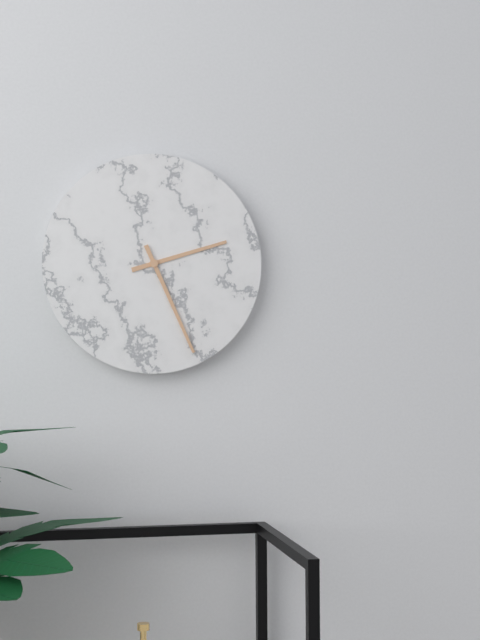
2,26
